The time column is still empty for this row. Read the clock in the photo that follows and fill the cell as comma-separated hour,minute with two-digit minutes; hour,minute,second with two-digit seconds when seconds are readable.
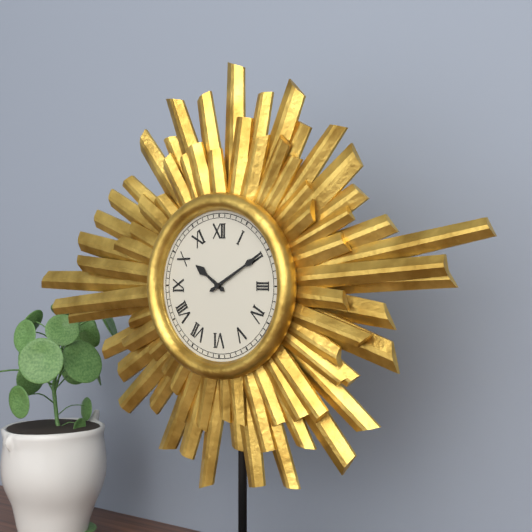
10,10
